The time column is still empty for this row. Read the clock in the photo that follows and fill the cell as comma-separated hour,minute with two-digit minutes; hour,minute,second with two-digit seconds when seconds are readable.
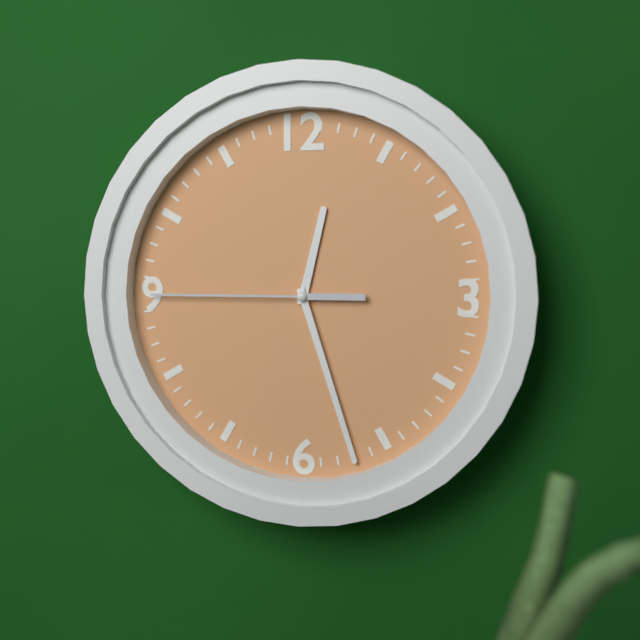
12,27,45
